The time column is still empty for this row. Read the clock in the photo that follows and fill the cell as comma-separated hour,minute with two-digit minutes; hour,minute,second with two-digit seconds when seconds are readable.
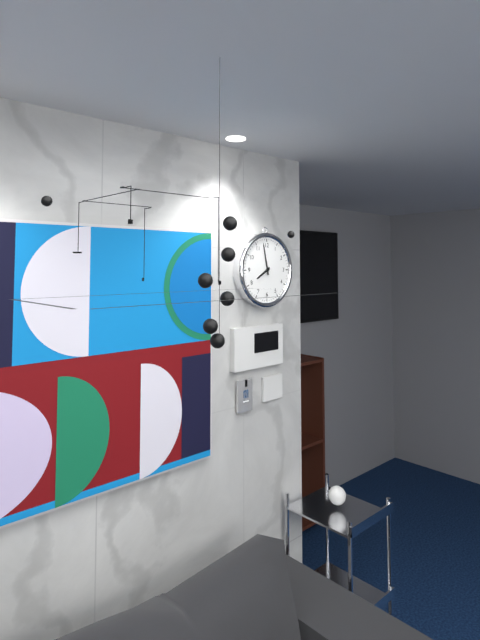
7,58
